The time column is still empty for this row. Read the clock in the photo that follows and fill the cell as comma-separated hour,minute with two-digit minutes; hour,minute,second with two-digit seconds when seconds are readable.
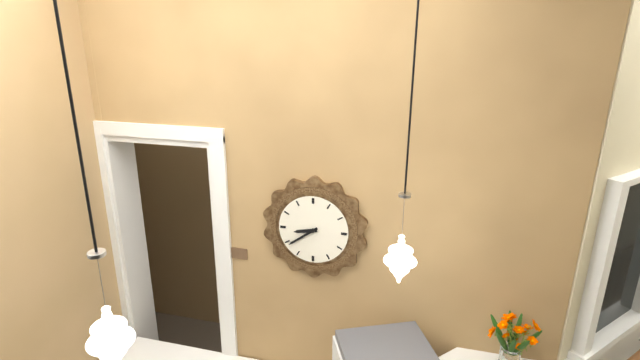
8,39
